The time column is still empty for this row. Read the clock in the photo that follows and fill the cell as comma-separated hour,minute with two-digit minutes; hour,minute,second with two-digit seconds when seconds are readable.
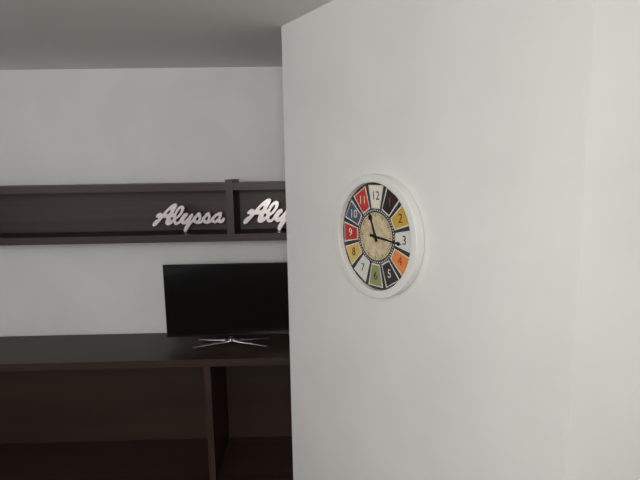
11,16
